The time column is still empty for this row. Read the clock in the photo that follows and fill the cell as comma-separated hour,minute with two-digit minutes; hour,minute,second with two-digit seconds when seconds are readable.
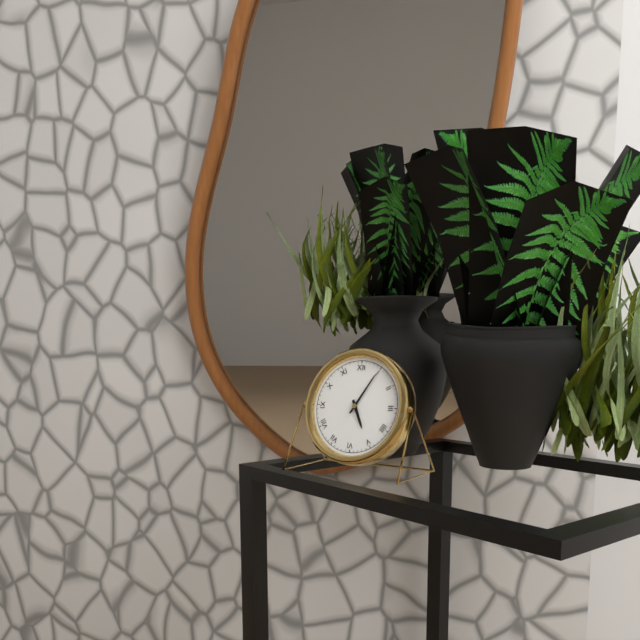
5,05
